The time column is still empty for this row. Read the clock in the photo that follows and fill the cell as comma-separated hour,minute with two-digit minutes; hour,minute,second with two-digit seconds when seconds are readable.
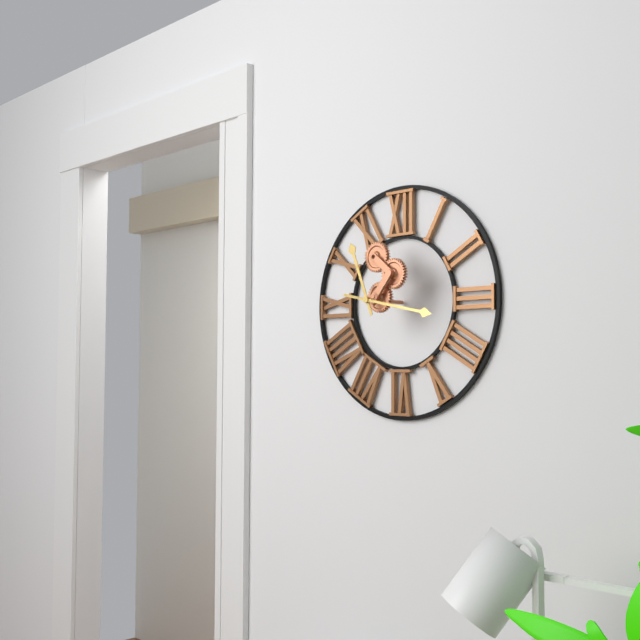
11,17
